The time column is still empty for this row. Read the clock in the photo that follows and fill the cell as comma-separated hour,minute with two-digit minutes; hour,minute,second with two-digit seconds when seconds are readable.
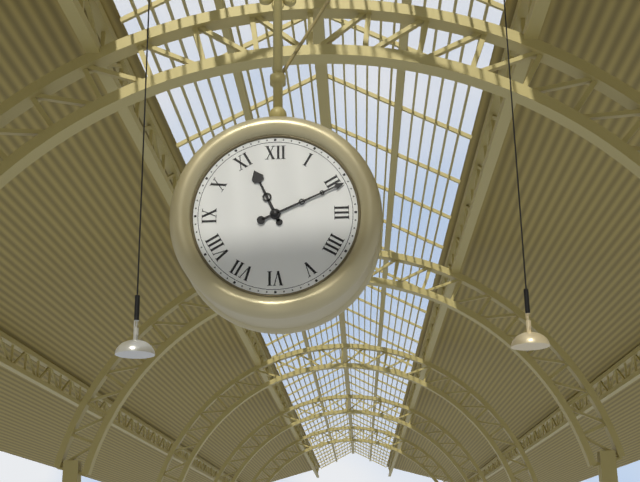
11,11
